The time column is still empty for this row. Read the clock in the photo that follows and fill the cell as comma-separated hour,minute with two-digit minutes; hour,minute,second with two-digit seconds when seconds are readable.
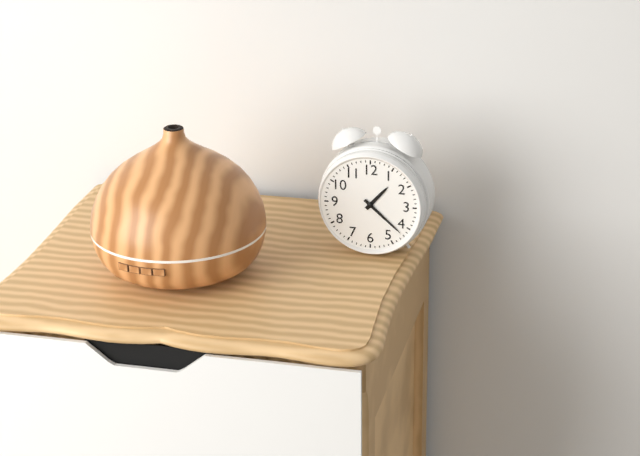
1,22
